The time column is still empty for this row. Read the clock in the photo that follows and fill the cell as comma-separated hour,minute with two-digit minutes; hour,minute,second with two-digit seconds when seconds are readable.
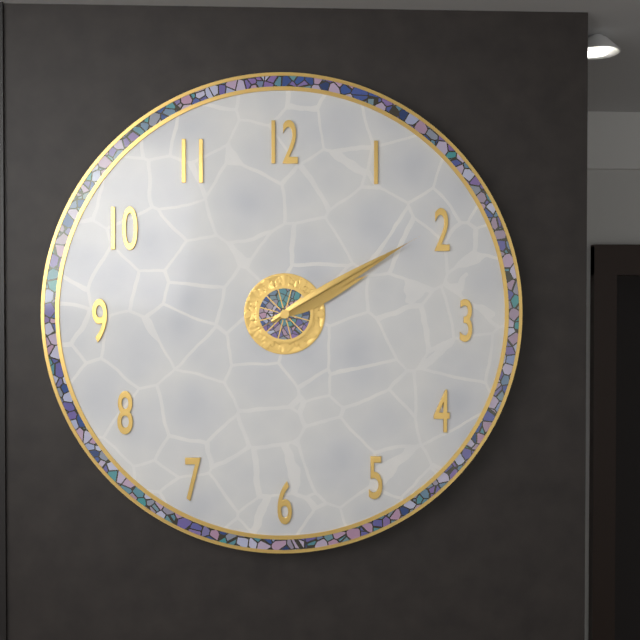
2,10,10
